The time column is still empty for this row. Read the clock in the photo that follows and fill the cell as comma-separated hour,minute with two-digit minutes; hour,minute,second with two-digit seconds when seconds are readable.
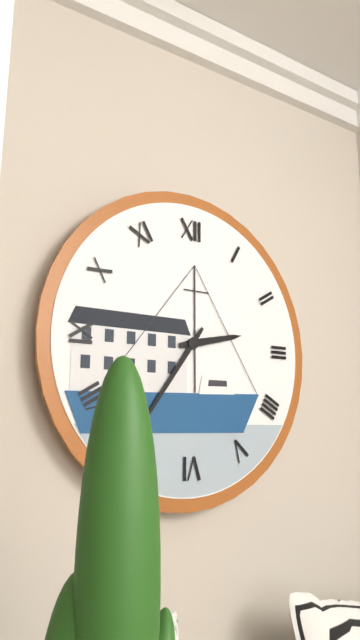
2,36
